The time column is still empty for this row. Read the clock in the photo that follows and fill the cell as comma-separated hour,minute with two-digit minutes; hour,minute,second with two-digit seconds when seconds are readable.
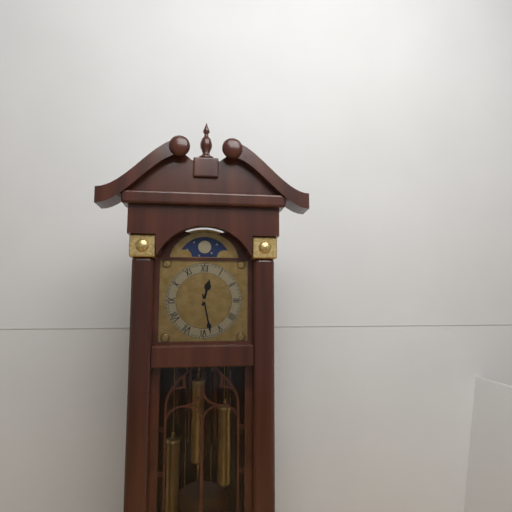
12,28
